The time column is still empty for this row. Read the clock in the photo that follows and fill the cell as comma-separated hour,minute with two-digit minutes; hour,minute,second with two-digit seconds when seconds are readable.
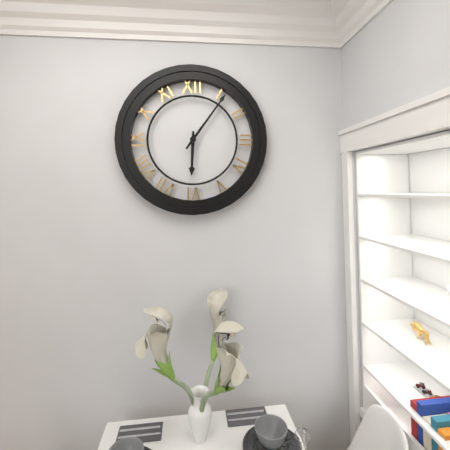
6,06
